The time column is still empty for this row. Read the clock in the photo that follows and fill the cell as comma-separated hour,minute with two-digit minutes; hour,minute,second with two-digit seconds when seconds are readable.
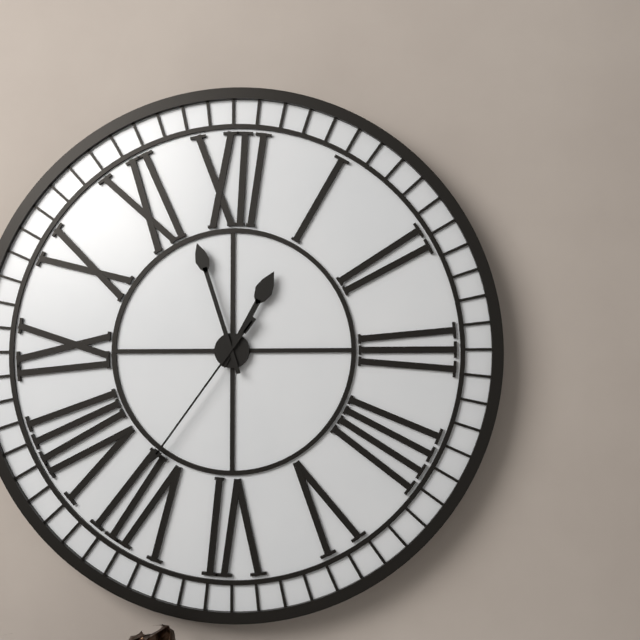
12,57,36
